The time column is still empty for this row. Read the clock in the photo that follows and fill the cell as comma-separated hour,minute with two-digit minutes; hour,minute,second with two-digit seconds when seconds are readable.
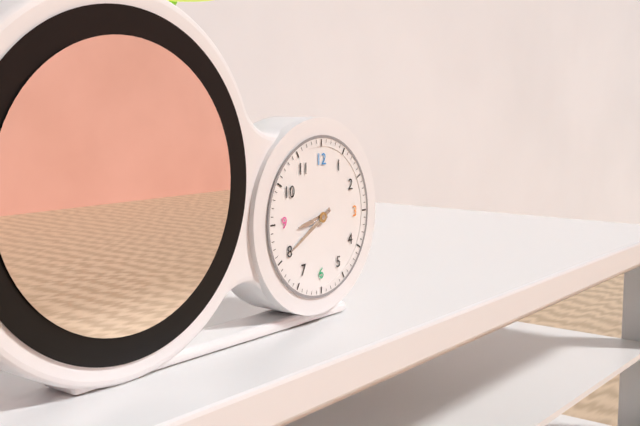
8,40
